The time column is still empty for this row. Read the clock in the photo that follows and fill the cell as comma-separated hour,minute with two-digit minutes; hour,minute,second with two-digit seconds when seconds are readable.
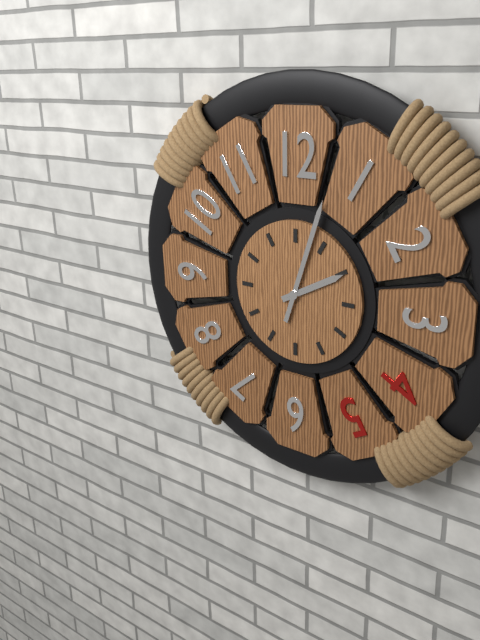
2,03
